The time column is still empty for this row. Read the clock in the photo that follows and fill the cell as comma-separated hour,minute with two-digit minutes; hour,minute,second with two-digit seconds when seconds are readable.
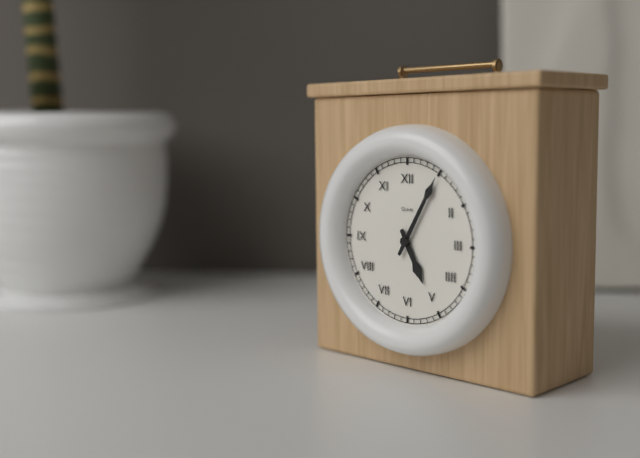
5,05
